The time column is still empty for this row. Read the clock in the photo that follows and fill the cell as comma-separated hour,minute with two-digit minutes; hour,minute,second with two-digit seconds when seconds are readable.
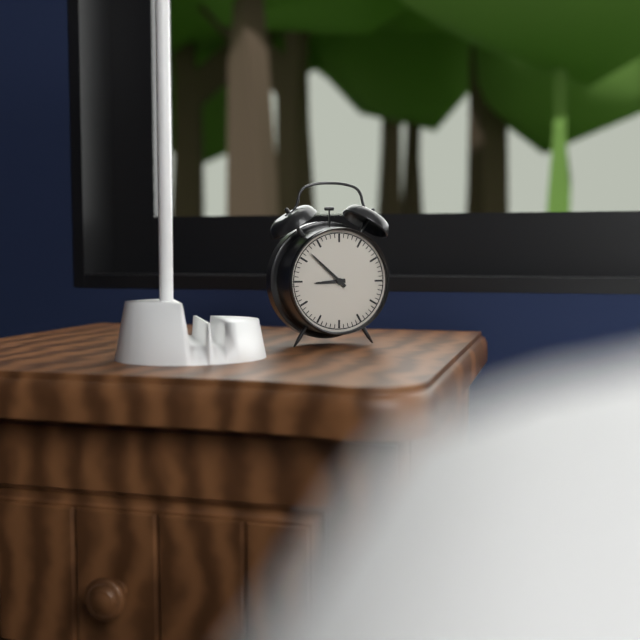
8,52
